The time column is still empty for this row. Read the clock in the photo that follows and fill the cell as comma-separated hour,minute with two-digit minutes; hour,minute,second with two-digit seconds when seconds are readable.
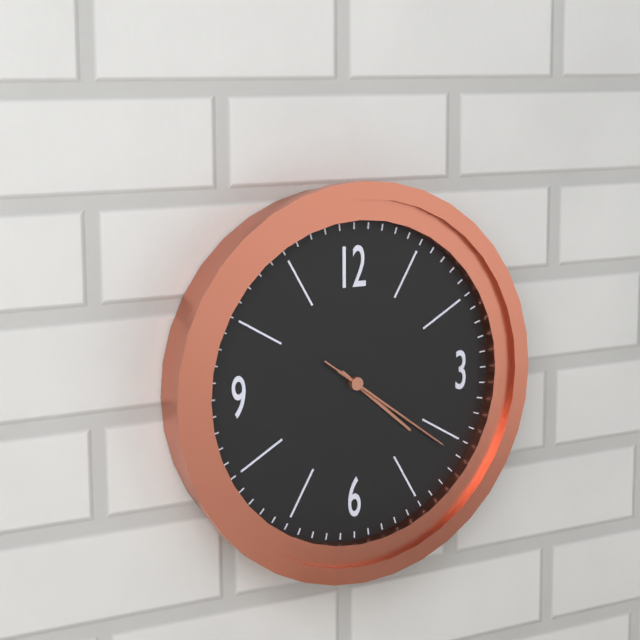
4,21,21
